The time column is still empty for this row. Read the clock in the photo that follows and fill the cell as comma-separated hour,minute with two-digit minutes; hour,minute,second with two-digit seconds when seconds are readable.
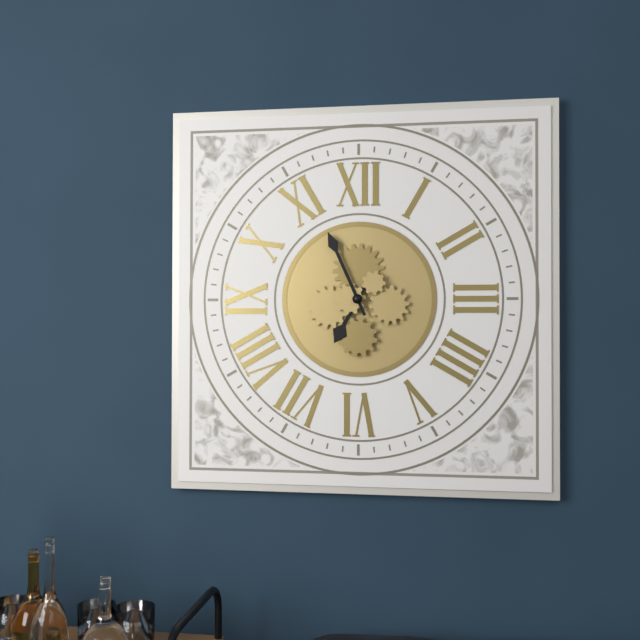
6,56
